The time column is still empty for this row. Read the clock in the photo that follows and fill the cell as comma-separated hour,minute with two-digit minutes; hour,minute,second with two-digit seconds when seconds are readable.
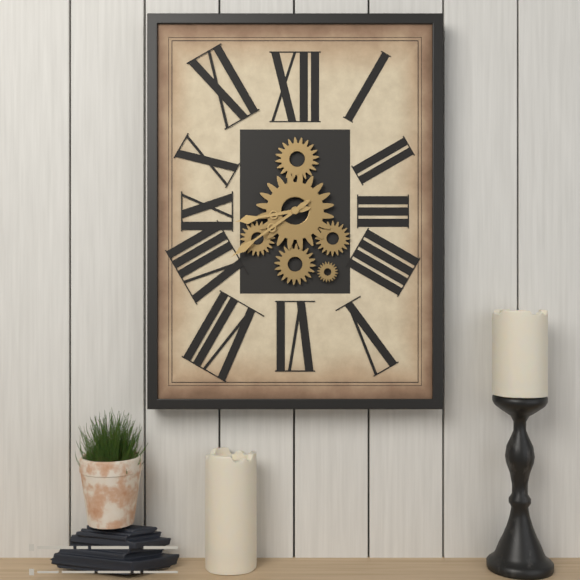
8,39
